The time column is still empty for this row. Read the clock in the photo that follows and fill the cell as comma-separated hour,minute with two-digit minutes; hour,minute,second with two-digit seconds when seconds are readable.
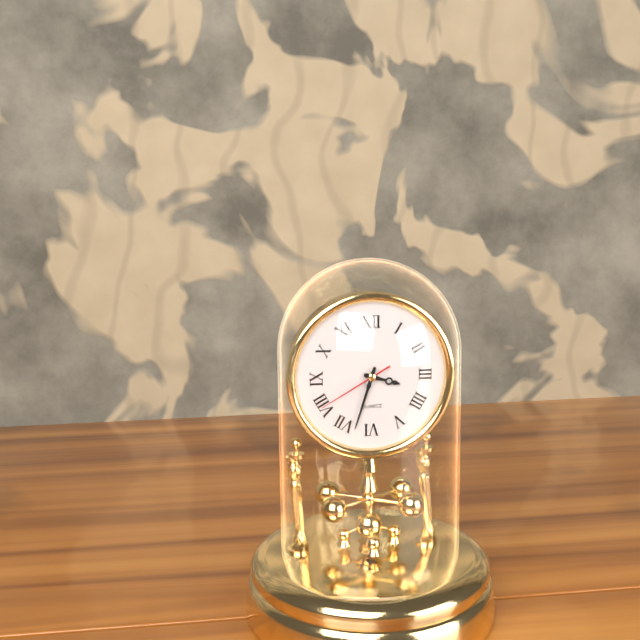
3,33,40
